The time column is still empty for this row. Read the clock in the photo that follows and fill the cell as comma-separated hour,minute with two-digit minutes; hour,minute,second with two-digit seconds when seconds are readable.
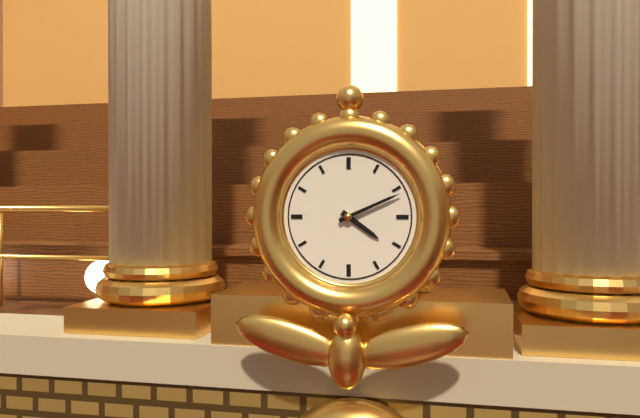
4,11
